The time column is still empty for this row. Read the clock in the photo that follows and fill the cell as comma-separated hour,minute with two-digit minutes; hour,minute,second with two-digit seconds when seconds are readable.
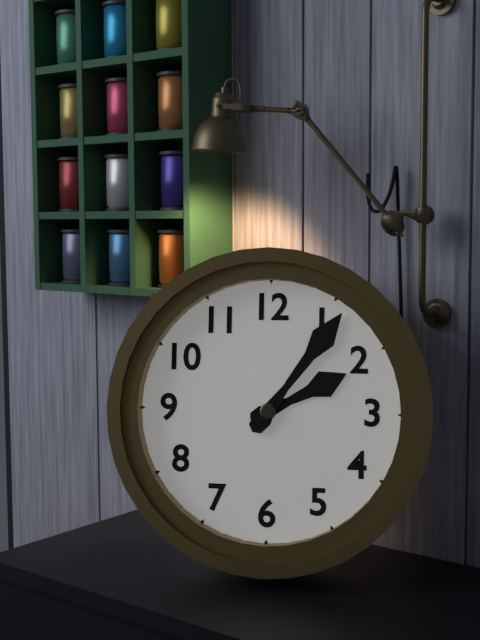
2,06
